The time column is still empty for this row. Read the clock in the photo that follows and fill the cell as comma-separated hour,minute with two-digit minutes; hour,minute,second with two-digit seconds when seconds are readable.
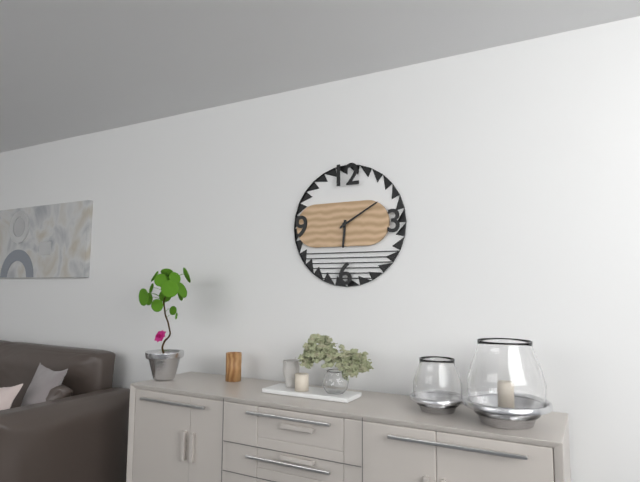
6,10
